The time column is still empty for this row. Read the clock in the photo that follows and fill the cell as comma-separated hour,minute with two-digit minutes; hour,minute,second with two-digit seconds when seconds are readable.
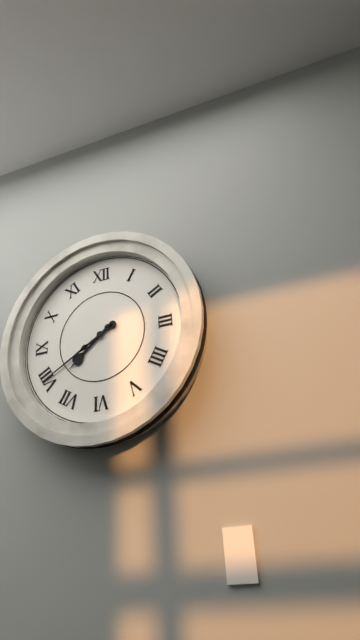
7,40
